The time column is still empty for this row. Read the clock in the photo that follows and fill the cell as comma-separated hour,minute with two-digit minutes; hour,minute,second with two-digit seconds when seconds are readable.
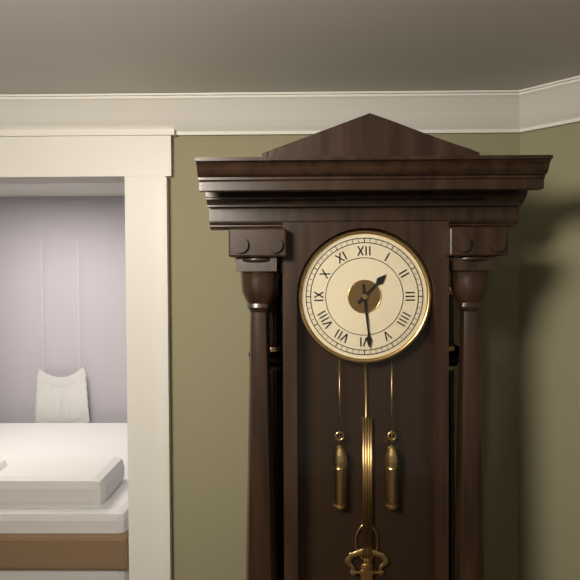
1,29
